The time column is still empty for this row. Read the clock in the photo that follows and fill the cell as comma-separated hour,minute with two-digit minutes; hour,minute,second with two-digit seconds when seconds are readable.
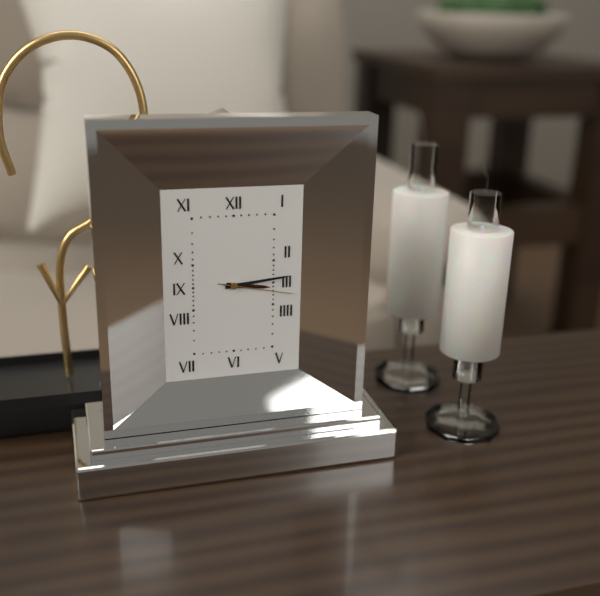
3,14,17
